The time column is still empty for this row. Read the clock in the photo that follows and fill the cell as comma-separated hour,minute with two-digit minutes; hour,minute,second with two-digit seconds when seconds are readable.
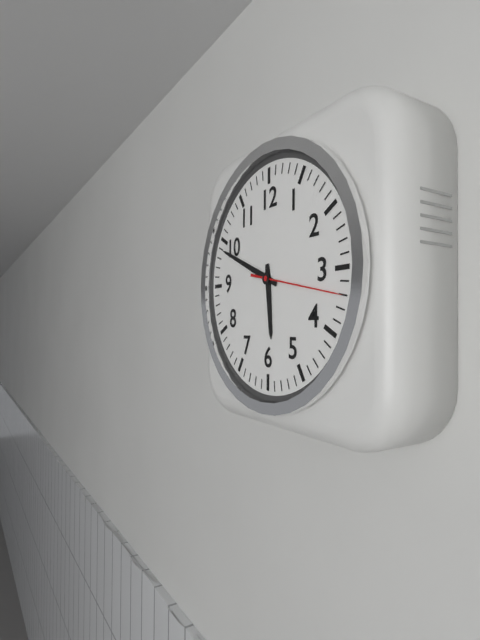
5,49,17
